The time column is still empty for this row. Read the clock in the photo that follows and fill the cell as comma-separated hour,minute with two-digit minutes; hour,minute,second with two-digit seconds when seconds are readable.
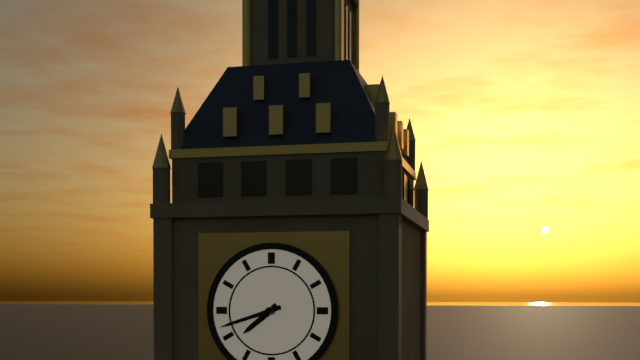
7,42
